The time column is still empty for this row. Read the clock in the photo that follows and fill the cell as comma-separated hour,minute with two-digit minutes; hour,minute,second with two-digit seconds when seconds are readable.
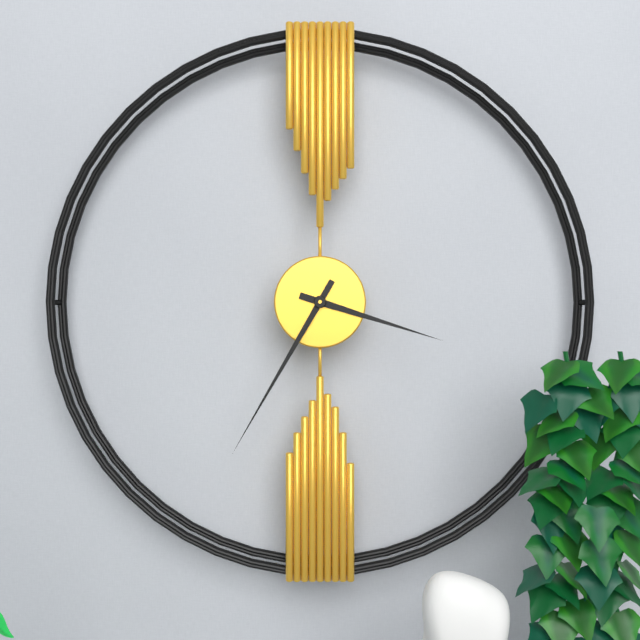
3,35
